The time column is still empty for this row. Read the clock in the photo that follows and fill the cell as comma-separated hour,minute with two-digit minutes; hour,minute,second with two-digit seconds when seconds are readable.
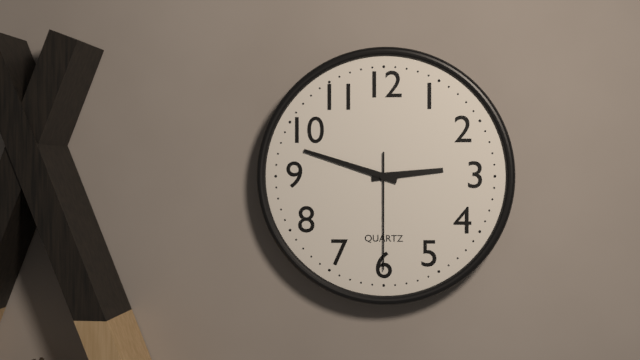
2,48,30
